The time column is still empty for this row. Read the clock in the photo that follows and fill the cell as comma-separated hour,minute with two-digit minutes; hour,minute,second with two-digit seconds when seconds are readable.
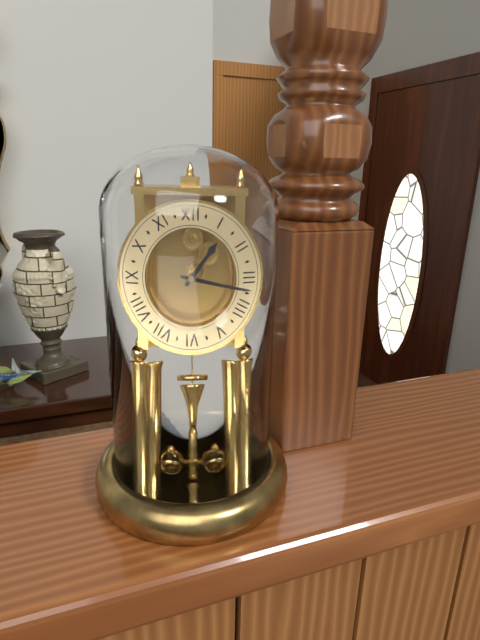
1,17
